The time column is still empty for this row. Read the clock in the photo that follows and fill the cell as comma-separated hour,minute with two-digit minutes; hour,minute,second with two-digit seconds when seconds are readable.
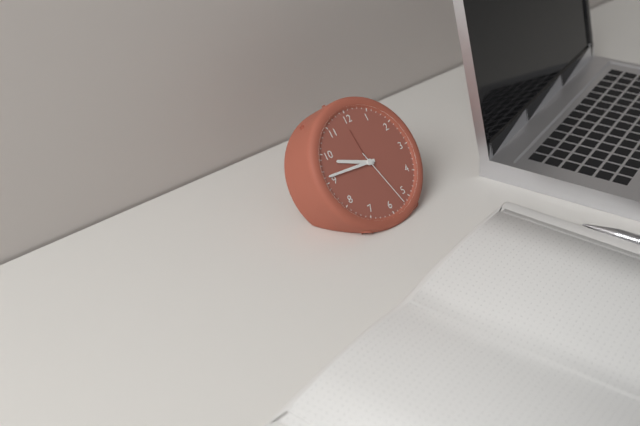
9,46,27
